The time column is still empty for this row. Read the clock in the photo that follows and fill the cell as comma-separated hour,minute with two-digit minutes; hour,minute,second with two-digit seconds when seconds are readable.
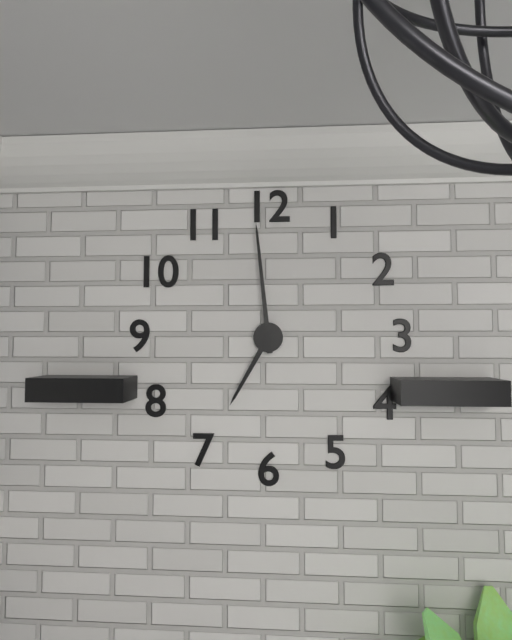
6,59
